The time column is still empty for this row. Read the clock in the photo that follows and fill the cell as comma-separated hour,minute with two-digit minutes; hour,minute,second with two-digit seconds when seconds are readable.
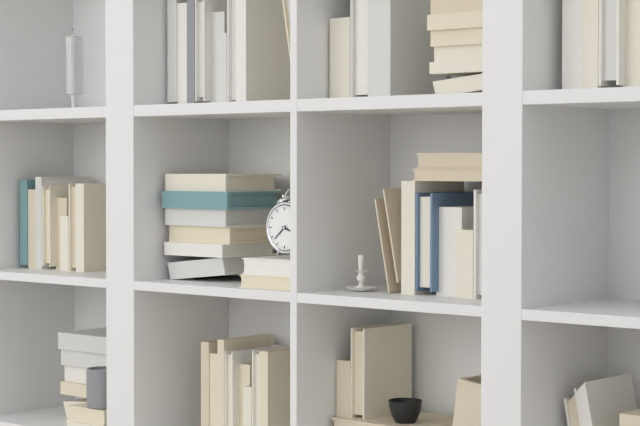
3,38
